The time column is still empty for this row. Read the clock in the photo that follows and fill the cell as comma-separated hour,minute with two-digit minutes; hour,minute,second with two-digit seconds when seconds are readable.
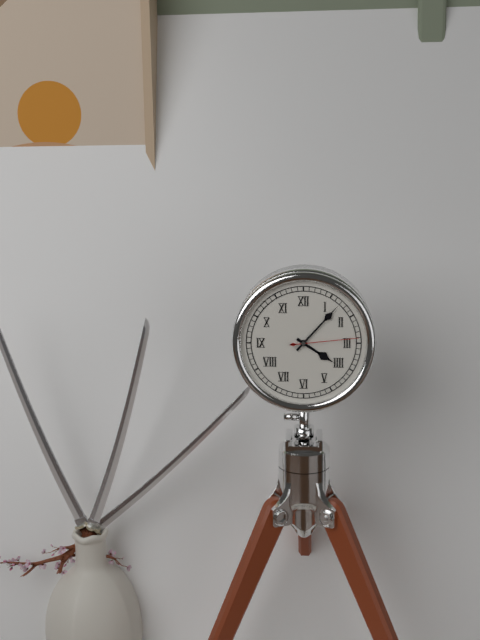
4,07,14
